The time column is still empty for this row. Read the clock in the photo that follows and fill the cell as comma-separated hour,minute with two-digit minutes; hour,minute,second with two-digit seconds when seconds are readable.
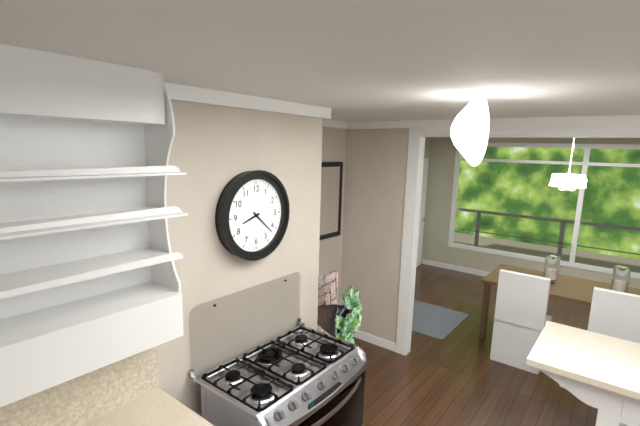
8,22
